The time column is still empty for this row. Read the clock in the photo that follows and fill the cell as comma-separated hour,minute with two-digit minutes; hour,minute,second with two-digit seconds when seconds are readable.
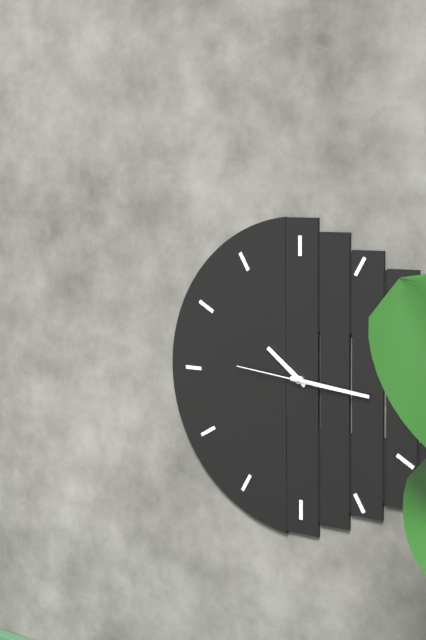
10,16,46
